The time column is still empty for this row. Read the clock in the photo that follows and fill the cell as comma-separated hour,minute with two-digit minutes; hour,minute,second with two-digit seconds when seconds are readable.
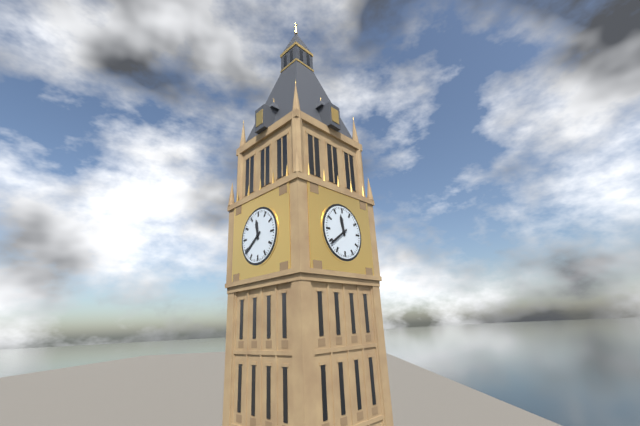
11,39
